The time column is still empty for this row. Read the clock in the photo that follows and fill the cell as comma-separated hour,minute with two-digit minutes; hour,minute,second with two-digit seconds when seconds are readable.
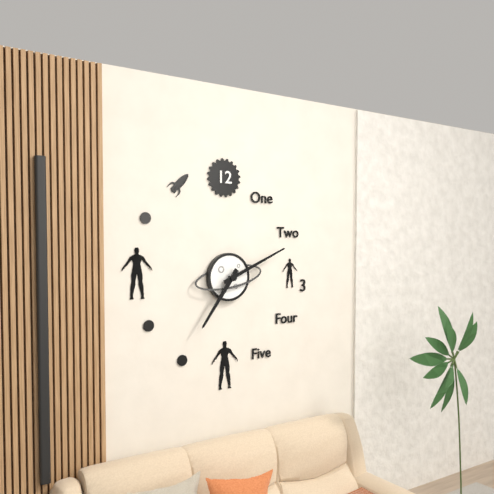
7,11
